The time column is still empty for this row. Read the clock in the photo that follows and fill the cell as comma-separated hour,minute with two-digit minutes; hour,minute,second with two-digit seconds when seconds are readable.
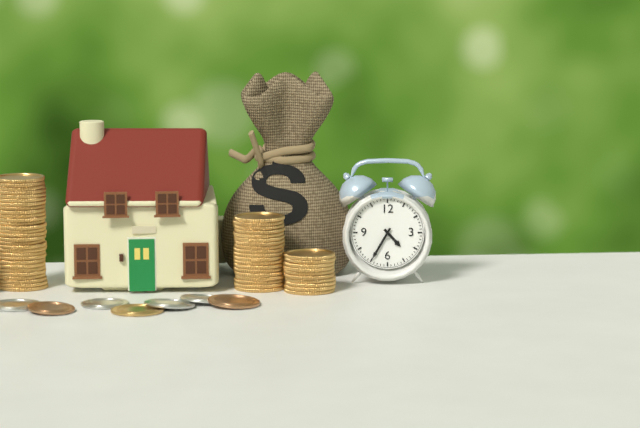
4,35
